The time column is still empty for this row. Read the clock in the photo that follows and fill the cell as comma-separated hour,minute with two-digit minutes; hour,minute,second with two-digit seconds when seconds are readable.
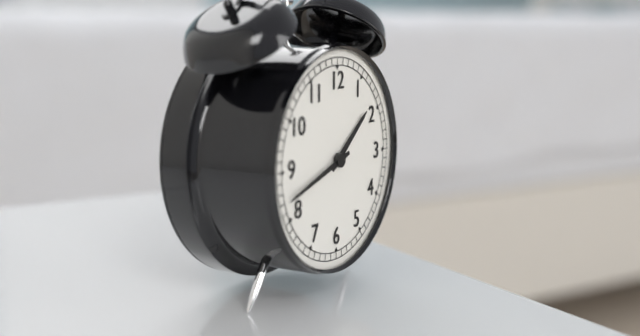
1,42
